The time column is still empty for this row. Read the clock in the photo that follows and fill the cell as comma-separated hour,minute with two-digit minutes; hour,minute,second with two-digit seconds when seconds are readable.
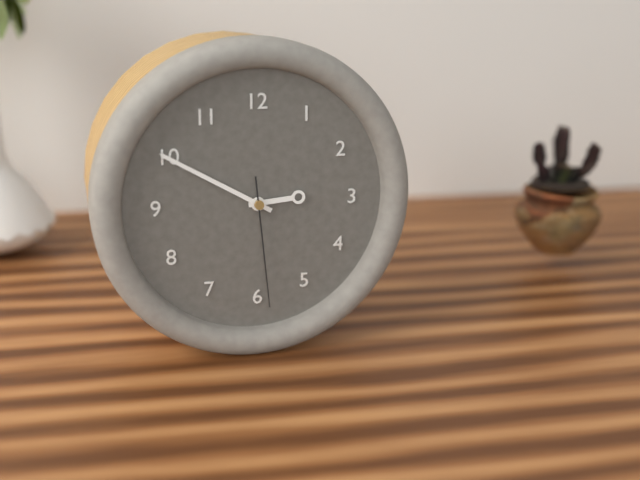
2,50,29
